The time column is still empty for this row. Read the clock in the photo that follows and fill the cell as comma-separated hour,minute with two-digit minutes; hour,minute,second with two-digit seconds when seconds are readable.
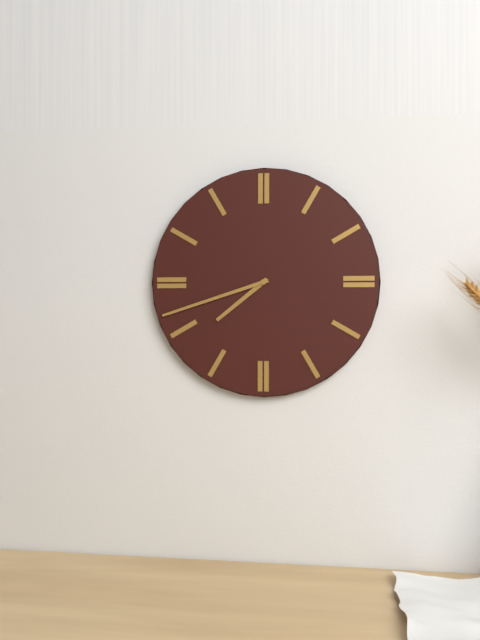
7,42
